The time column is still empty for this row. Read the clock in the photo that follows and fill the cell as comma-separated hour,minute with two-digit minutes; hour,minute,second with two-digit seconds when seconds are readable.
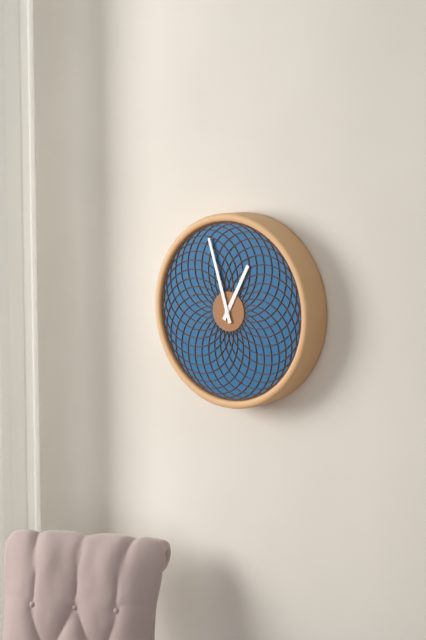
12,57
